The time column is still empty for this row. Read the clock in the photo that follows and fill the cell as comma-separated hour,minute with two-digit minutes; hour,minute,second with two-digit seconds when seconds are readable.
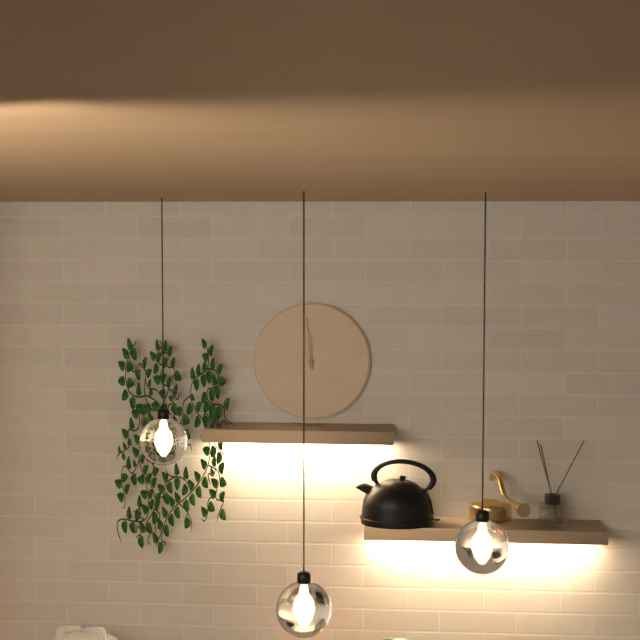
11,59
